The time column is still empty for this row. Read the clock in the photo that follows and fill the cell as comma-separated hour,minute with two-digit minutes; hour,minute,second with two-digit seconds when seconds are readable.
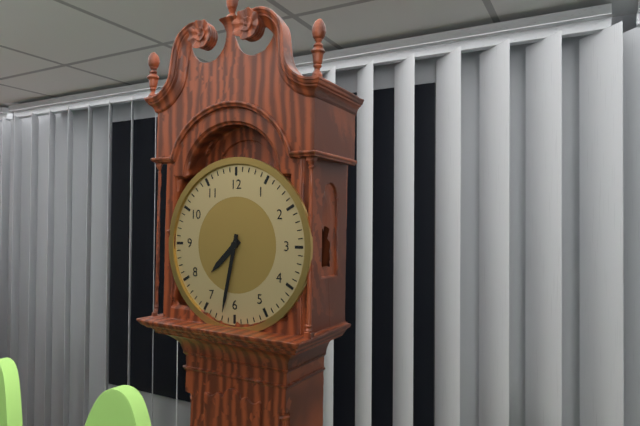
7,32
